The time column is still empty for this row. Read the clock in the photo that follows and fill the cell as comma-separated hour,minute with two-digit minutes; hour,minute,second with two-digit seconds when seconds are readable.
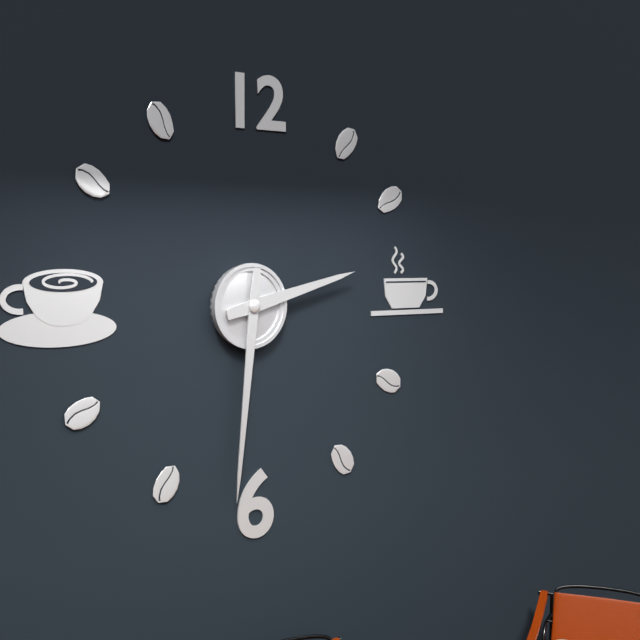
2,31
